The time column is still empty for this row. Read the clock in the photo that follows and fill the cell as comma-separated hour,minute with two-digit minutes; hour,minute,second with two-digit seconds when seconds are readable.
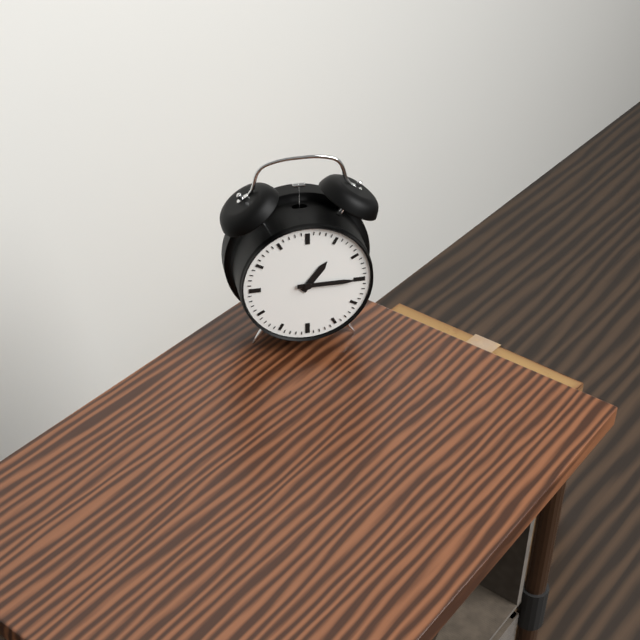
1,15
